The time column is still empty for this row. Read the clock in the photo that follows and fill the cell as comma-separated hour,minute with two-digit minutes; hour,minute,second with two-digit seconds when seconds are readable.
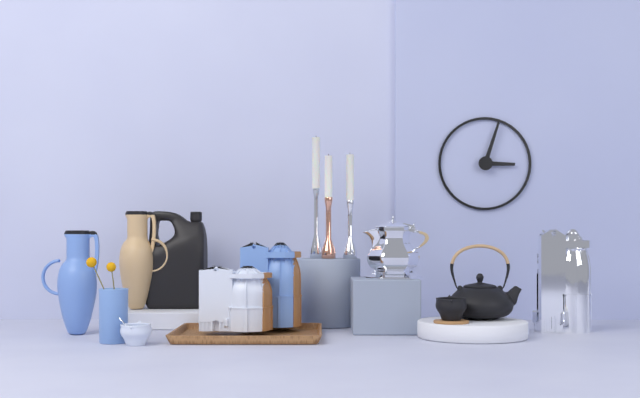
3,03
